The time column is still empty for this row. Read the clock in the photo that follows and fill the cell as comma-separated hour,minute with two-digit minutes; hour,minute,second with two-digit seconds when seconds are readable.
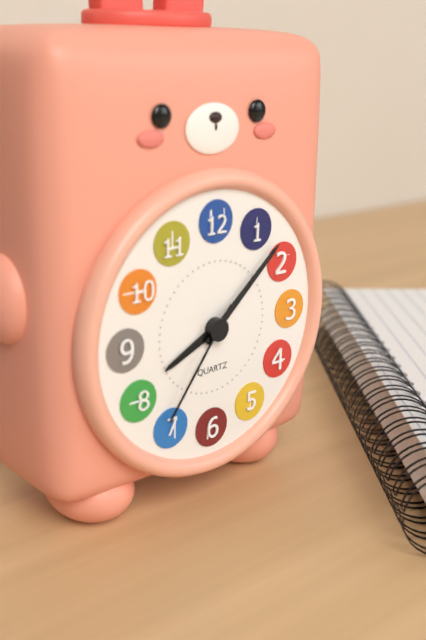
8,08,36
